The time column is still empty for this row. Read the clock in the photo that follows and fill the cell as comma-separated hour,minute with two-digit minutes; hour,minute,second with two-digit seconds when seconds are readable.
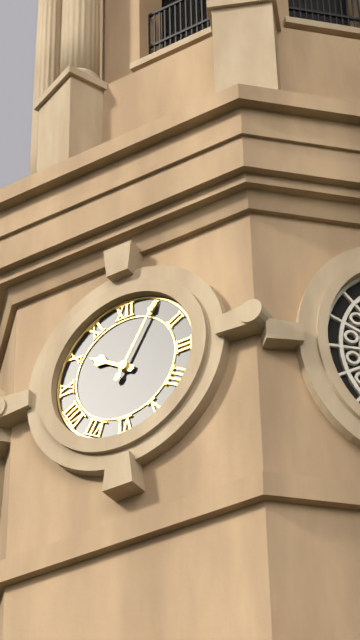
10,05
